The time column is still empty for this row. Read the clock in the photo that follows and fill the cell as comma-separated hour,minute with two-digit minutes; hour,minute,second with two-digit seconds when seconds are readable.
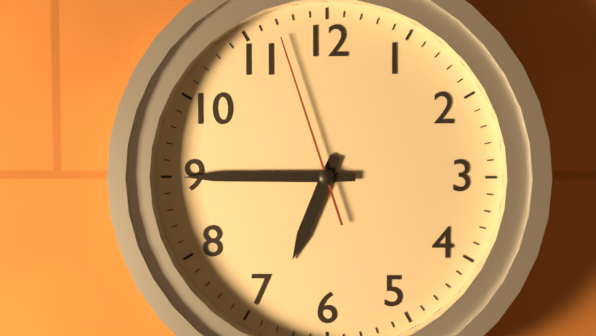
6,45,57
